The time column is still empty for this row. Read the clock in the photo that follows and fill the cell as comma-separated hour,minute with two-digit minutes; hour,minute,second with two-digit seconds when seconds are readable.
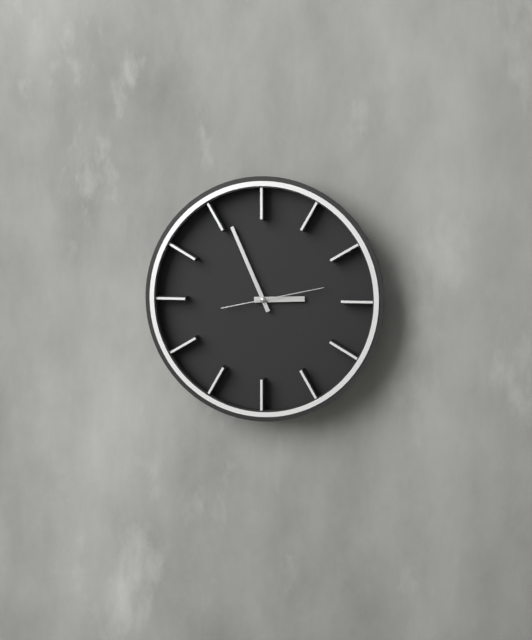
2,56,13
